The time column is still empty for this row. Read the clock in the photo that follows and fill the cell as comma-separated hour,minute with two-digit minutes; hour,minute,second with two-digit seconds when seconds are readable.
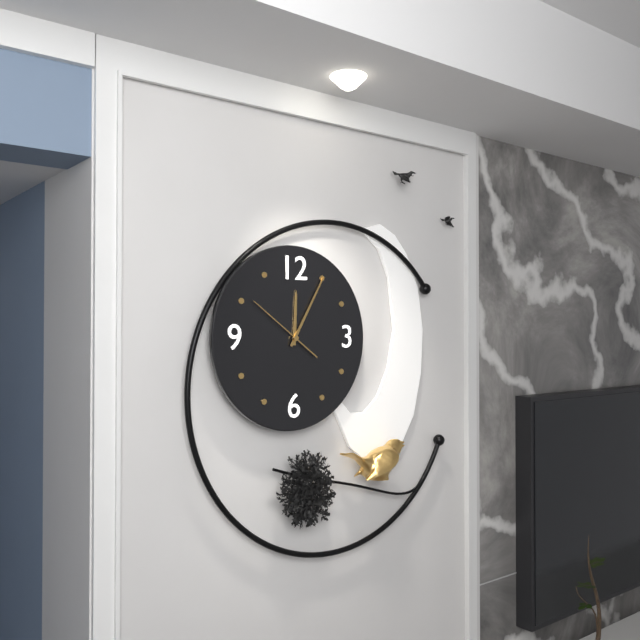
12,05,51
